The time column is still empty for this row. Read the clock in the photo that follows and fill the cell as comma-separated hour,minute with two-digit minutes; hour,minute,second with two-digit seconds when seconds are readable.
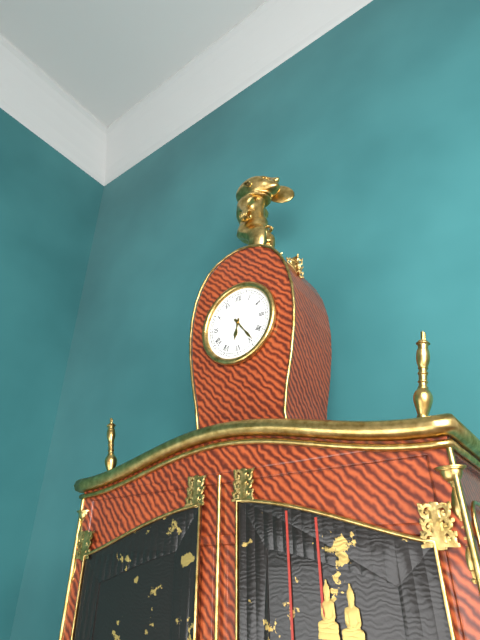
6,24
